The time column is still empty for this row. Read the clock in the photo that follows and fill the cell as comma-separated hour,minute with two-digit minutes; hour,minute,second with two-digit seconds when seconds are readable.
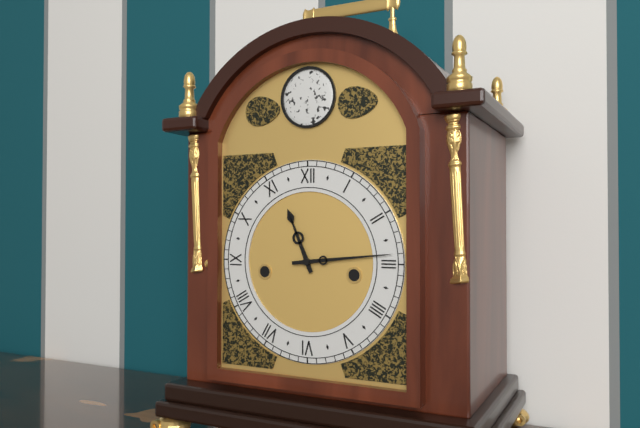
11,14
